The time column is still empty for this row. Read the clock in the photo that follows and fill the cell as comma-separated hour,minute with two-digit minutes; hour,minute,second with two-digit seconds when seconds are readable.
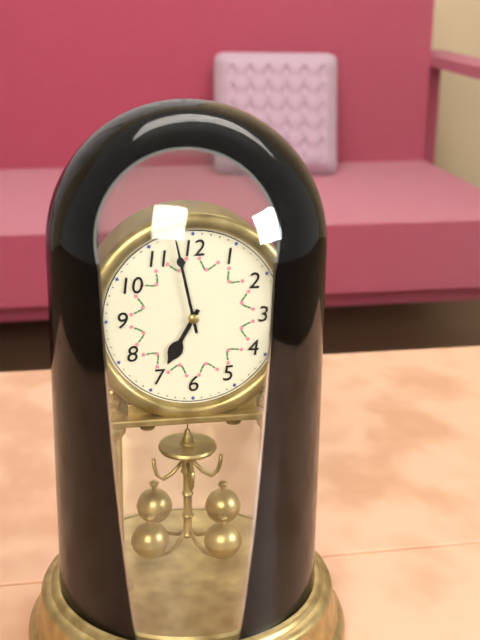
6,58
